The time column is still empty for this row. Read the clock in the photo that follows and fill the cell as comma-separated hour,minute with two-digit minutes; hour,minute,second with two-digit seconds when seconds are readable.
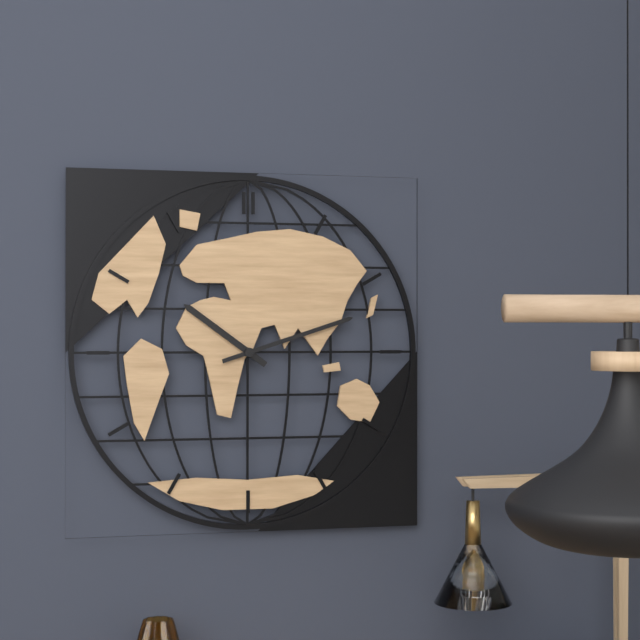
10,12
